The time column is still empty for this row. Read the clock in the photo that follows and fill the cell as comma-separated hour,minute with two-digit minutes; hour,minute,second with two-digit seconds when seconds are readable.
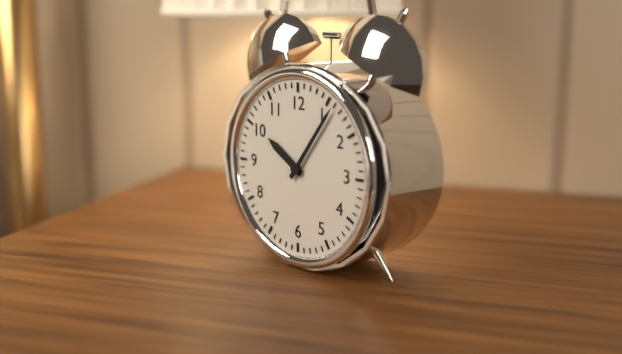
10,06
